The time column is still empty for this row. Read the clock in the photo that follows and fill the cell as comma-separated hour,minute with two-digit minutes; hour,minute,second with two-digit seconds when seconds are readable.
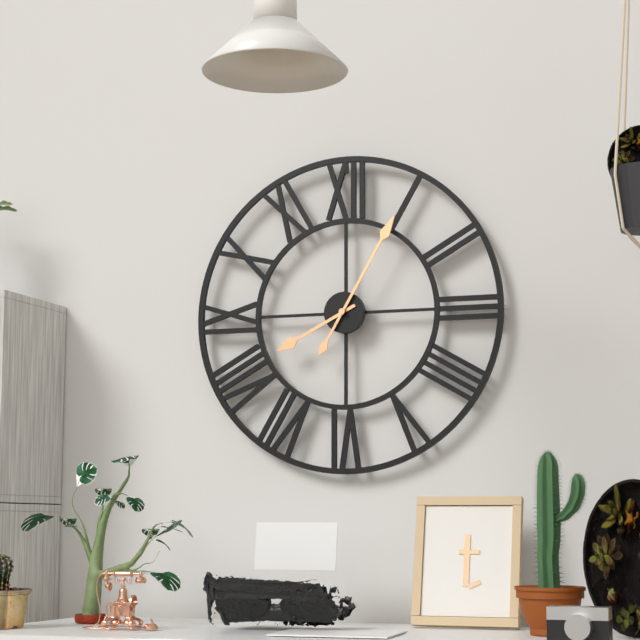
8,05
